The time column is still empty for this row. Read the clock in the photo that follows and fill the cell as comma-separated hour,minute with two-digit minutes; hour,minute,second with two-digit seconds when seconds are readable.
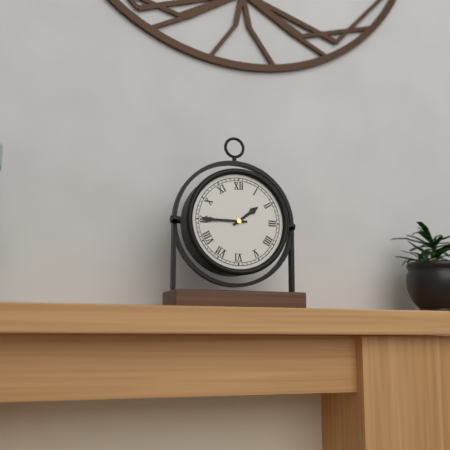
1,45
